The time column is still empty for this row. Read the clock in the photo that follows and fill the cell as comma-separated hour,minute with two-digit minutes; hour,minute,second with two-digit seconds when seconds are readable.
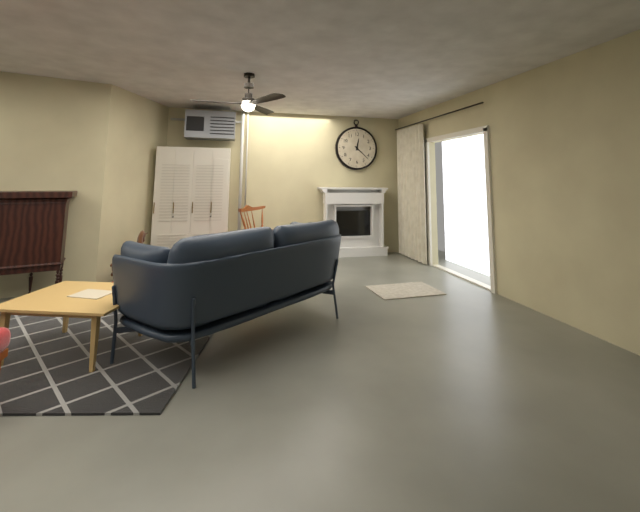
12,22
